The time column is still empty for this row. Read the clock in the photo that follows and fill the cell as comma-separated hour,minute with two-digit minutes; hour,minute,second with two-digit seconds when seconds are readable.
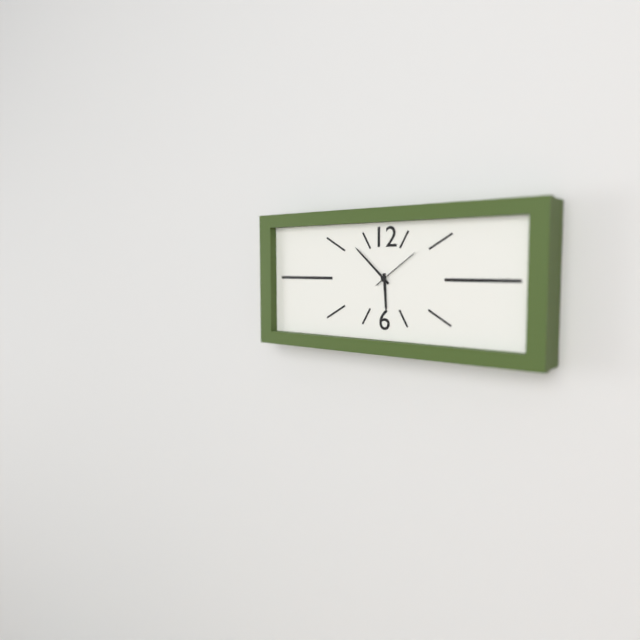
5,52
